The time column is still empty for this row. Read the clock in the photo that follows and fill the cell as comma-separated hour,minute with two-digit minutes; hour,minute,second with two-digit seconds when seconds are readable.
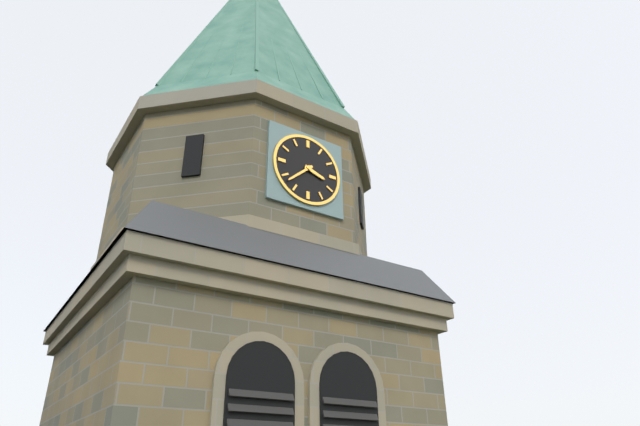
3,38
